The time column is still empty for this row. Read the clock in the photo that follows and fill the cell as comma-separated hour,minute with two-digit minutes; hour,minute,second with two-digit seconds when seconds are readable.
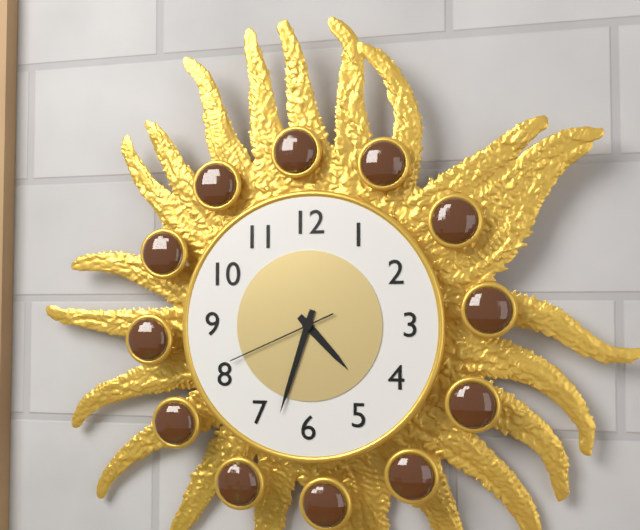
4,33,41
